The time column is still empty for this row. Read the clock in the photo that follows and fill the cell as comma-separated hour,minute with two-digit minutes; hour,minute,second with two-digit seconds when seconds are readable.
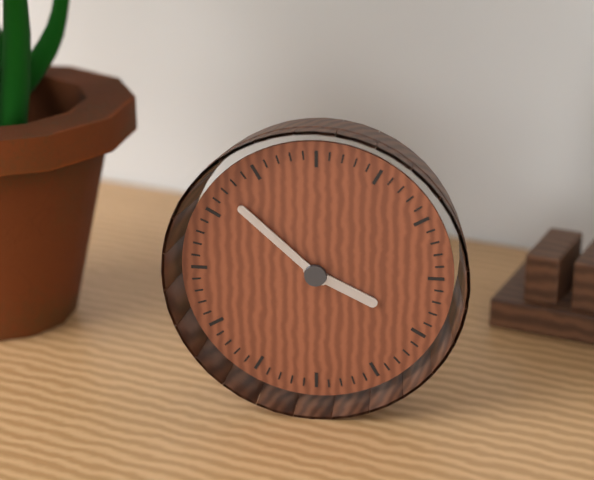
3,52
